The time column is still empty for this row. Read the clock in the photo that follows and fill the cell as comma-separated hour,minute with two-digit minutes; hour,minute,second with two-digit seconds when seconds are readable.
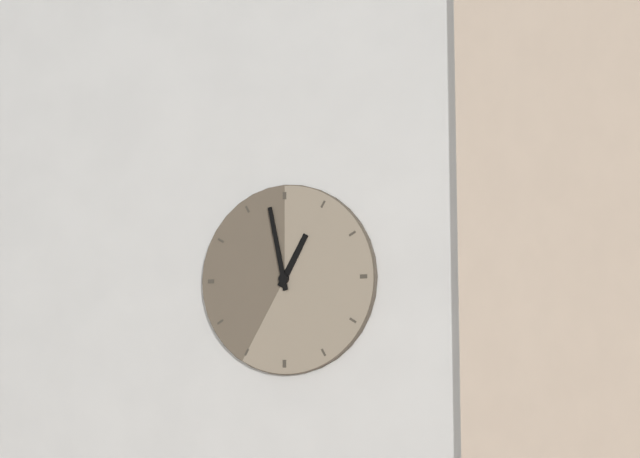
12,58
